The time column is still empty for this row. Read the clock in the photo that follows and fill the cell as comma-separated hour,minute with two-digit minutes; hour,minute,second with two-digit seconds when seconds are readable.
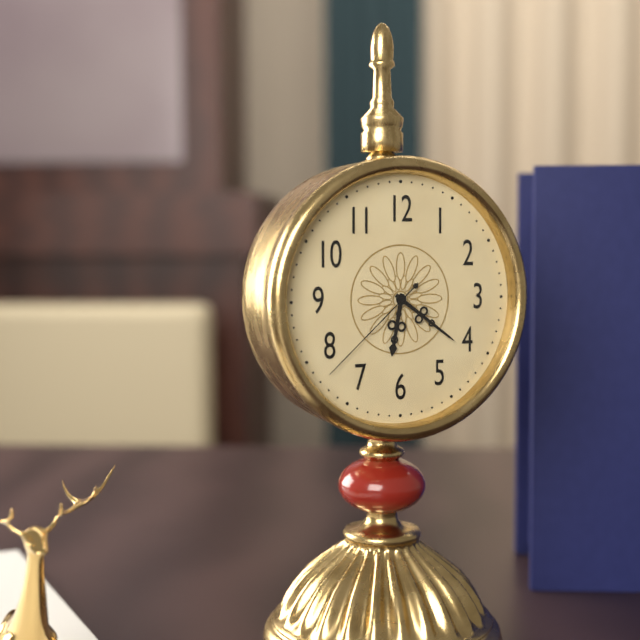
6,21,38
